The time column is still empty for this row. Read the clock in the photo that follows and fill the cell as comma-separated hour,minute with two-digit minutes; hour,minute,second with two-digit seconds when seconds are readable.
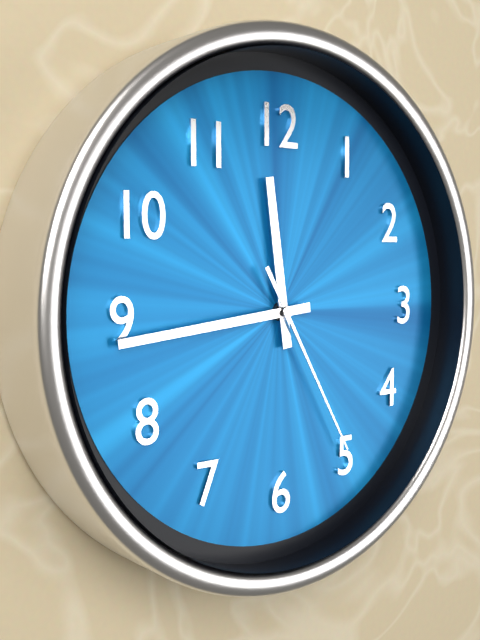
11,44,25
